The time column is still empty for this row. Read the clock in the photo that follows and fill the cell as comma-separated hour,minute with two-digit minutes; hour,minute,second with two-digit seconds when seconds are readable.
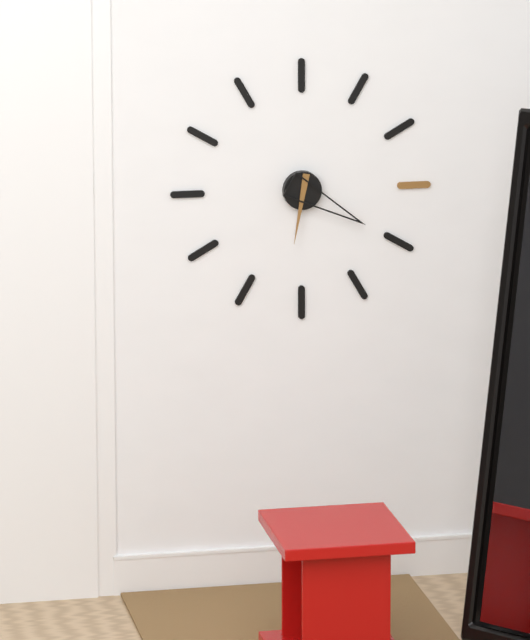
6,20
